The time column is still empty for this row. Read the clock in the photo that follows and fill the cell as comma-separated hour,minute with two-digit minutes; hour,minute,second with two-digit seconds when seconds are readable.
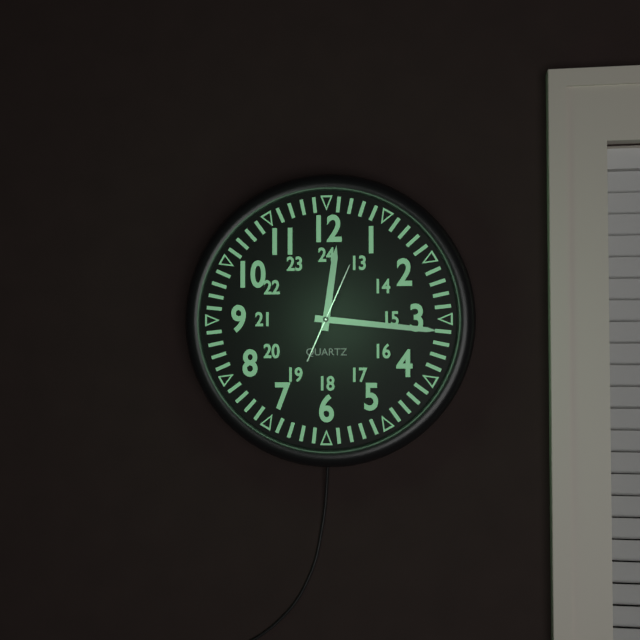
12,16,04
